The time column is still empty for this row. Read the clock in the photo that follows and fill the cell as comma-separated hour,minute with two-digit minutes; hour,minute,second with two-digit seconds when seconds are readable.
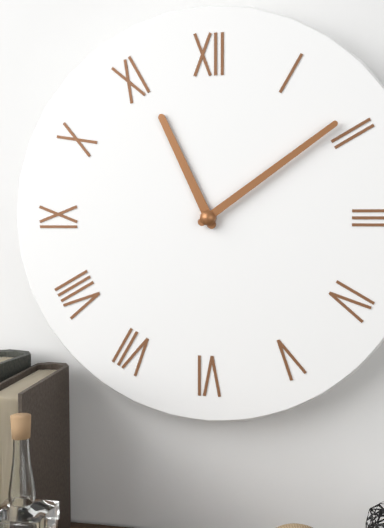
11,09
